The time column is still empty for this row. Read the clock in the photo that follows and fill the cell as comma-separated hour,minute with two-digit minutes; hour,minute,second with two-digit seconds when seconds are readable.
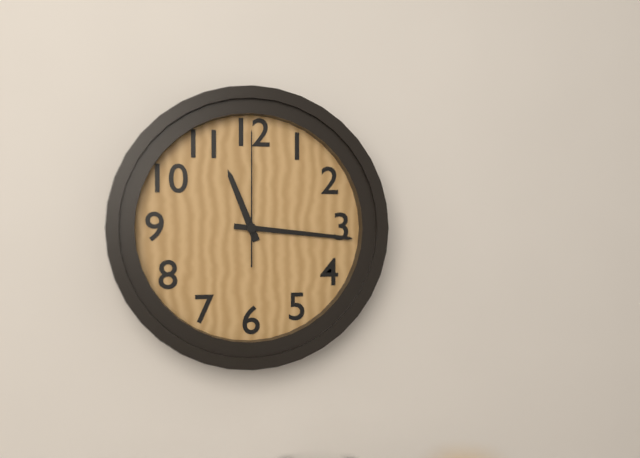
11,16,00
